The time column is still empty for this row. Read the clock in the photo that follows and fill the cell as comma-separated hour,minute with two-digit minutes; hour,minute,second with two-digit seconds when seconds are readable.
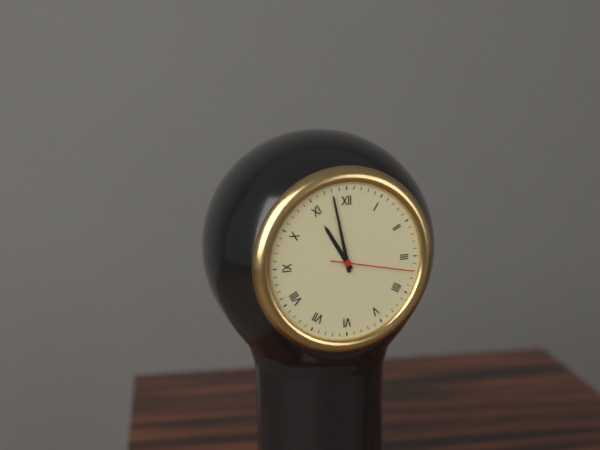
10,58,17
